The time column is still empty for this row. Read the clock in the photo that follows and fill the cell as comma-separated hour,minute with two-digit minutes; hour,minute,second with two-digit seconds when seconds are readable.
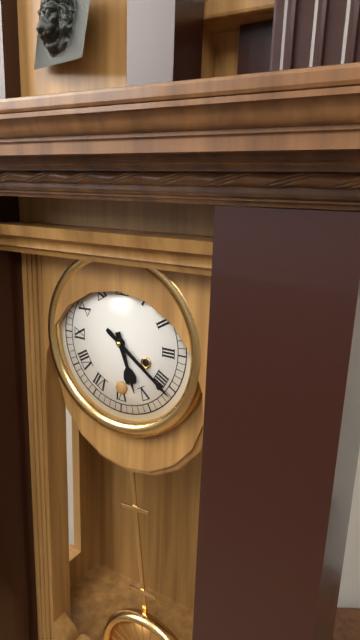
5,21
